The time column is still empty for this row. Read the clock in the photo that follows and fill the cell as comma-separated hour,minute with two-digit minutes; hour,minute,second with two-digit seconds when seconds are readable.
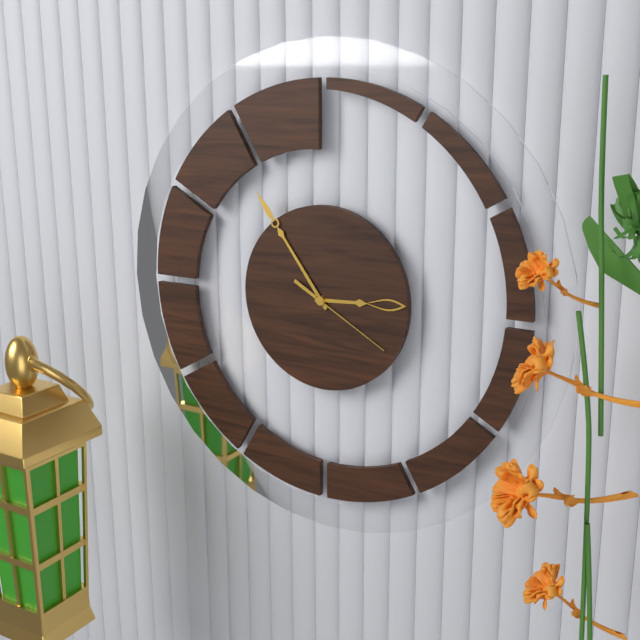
2,54,20
